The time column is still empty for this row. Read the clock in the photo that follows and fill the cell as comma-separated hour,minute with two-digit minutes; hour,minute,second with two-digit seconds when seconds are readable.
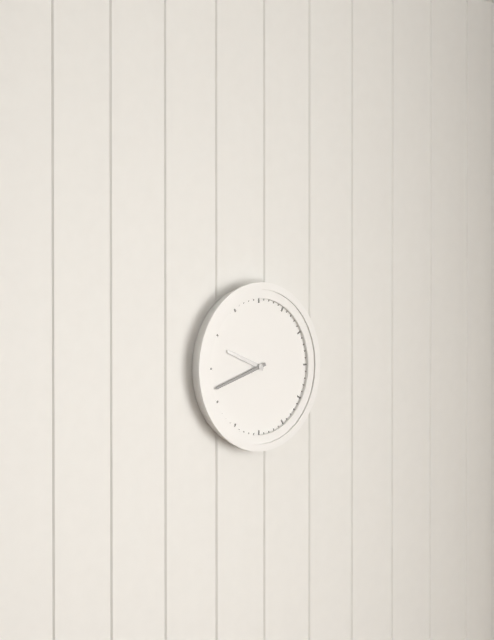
9,42
